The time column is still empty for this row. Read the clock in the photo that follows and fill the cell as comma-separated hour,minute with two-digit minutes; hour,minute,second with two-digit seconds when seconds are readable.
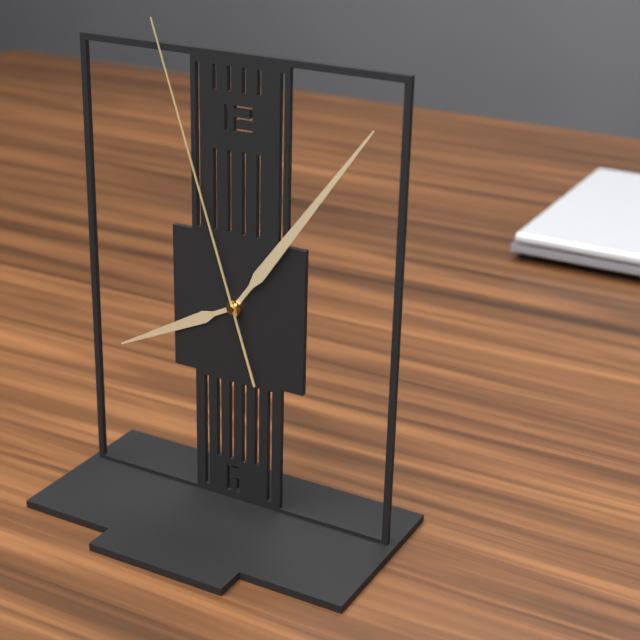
8,06,57
